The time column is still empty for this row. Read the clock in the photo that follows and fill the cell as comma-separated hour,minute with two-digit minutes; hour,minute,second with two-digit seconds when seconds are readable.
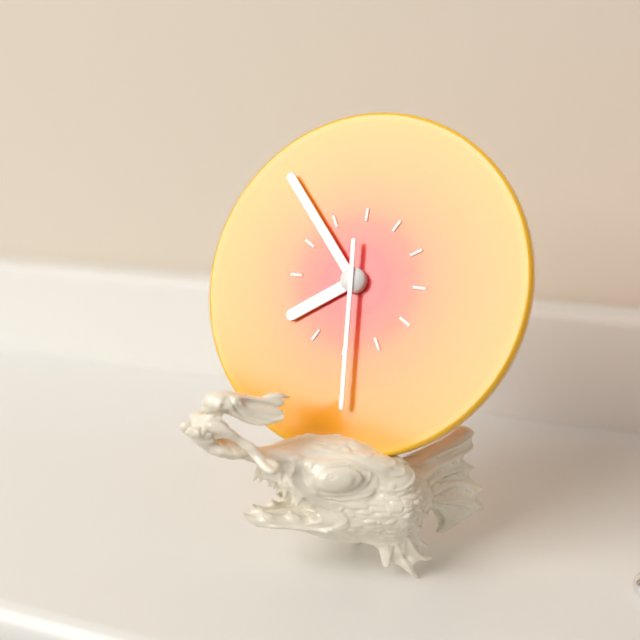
7,53,29
